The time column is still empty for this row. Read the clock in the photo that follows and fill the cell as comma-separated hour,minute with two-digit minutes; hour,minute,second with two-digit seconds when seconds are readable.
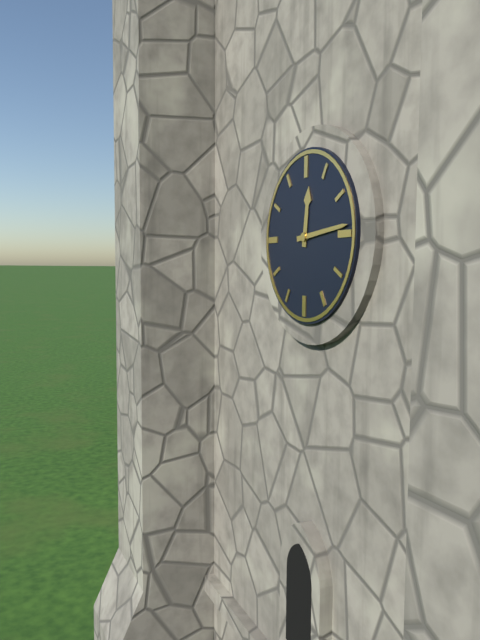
12,14
